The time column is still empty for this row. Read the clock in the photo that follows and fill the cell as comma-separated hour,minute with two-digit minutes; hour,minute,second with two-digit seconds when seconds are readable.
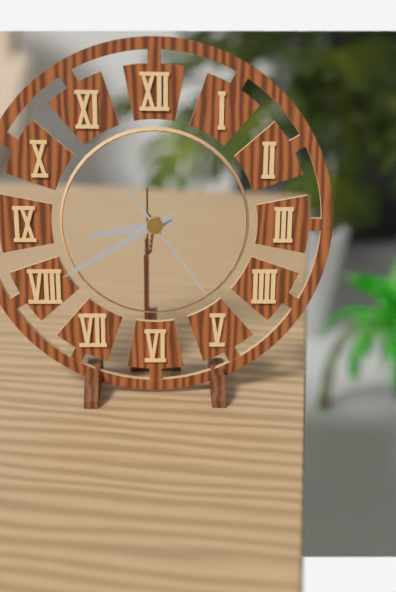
8,40,24
